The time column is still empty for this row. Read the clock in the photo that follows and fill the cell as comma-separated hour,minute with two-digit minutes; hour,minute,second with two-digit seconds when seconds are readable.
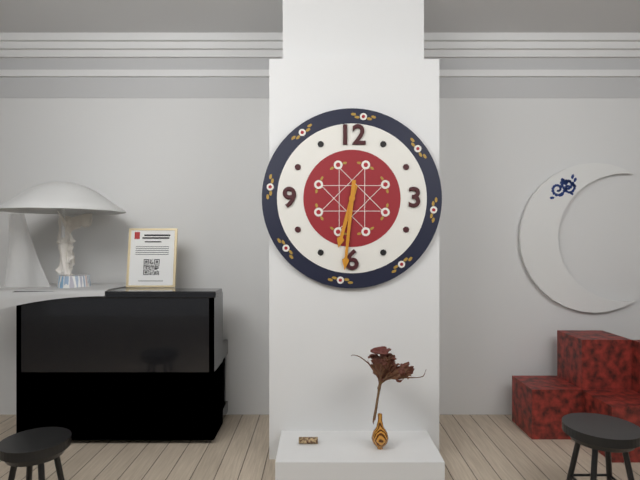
6,31
